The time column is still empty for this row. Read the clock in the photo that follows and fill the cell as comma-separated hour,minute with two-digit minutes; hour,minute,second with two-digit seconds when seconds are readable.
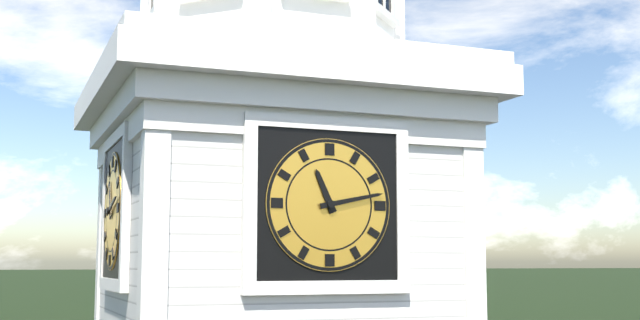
11,13
